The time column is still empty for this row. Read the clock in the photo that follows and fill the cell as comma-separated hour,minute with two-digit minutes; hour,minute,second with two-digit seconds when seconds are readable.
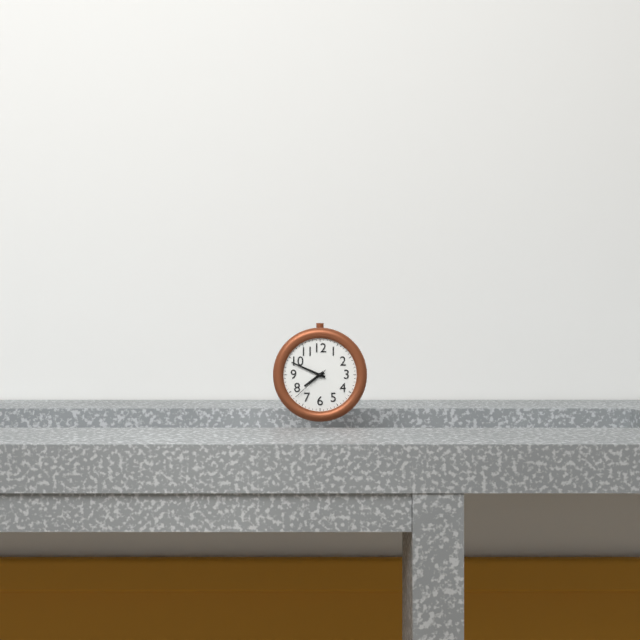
7,49
